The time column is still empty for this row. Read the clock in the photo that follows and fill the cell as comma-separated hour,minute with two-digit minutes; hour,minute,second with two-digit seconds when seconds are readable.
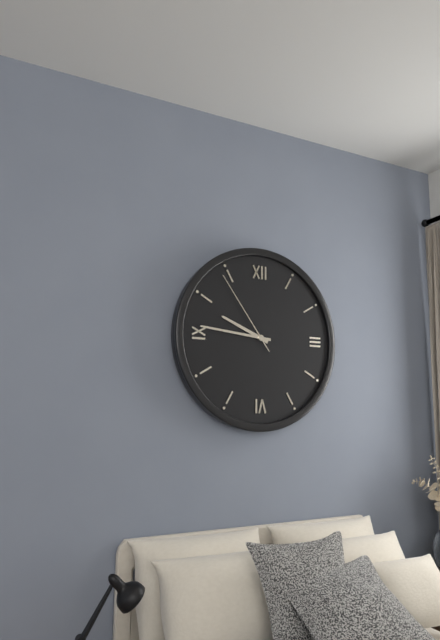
9,46,54
